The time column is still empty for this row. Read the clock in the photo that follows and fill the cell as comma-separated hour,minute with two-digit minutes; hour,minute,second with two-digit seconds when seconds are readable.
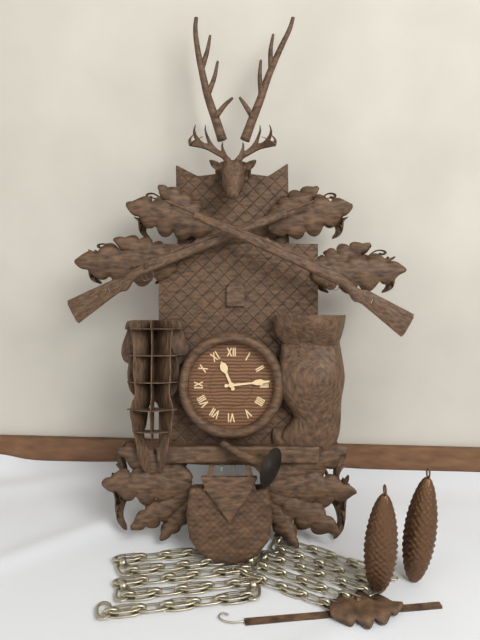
11,14
